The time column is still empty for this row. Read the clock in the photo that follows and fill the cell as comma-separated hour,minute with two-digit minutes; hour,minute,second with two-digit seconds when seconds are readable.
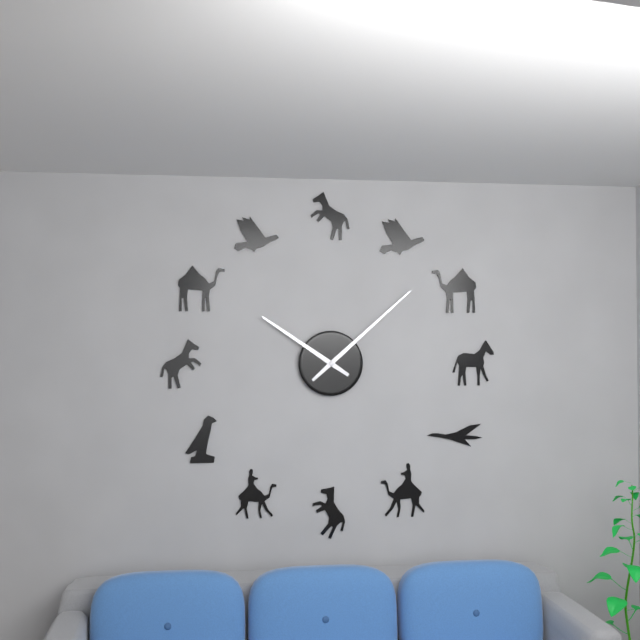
10,08
